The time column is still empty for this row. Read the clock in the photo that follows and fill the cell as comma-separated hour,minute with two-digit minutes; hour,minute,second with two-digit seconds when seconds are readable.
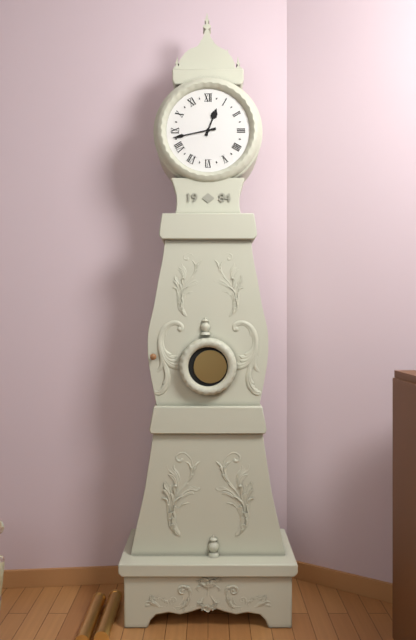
12,43
